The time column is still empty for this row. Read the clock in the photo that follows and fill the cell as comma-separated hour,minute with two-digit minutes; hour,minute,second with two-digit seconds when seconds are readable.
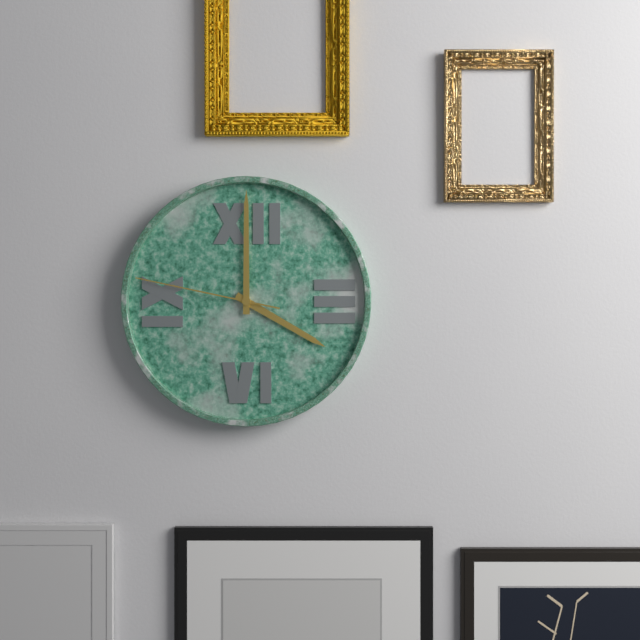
4,00,47
